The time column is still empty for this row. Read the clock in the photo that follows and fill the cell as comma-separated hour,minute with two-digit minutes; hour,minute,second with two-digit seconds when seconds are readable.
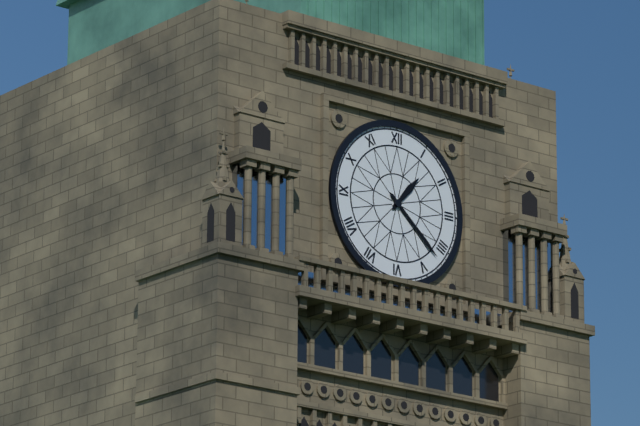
1,22
